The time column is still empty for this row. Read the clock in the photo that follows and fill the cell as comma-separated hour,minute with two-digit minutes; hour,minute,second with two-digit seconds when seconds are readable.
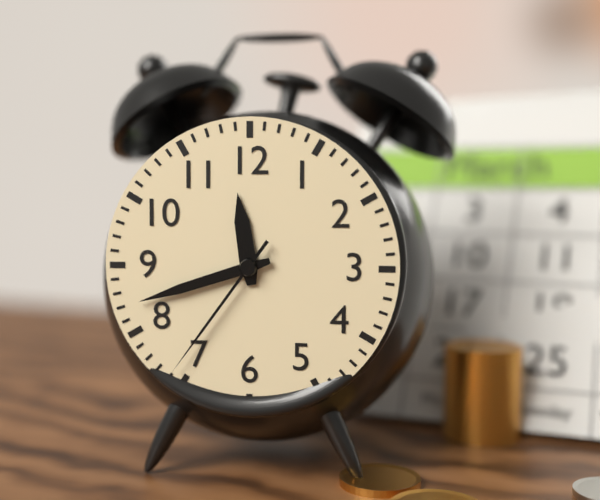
11,42,36
